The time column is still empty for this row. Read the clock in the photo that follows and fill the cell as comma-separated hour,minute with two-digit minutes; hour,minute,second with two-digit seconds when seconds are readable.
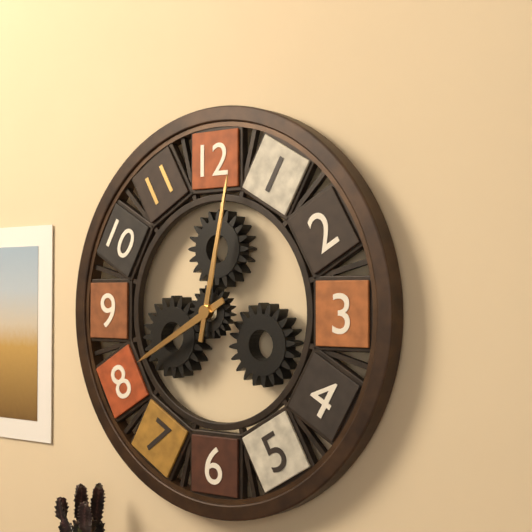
8,02
